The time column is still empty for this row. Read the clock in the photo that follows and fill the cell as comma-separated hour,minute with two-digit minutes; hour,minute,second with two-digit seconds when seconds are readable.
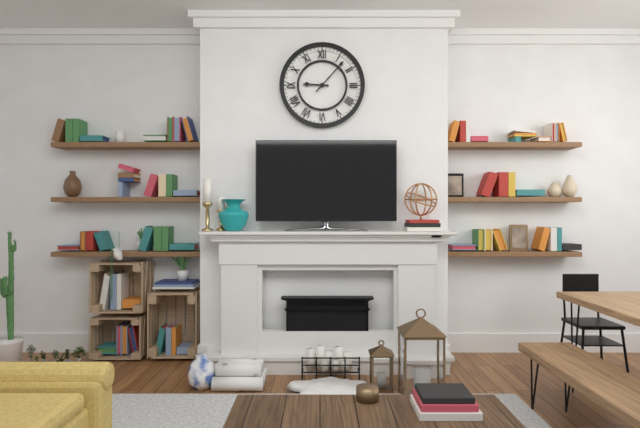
9,07
